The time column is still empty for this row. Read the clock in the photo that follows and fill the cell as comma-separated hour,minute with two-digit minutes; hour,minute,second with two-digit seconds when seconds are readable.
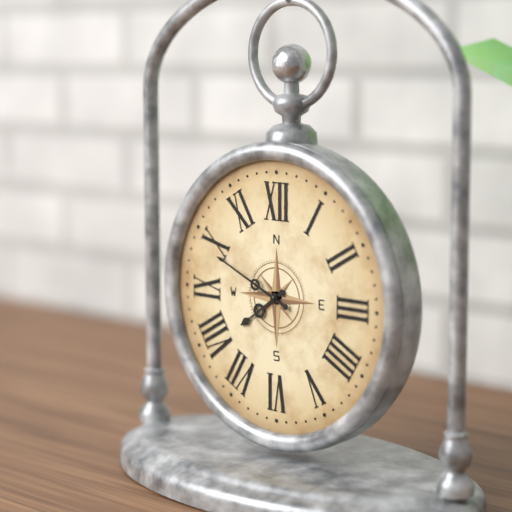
7,49
